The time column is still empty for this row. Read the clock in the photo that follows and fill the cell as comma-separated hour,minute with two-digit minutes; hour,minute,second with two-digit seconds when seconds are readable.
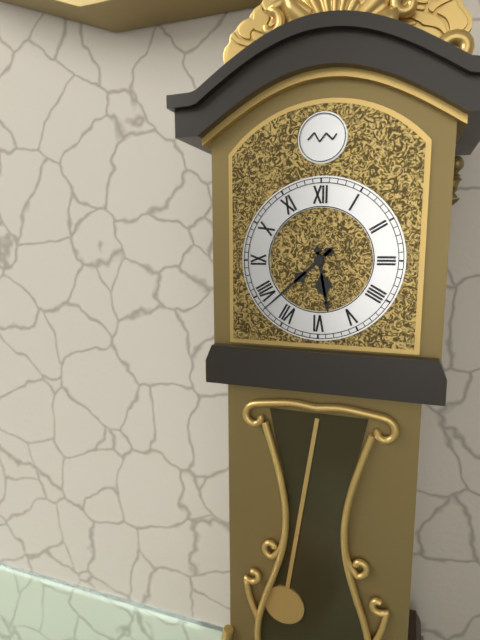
5,38
